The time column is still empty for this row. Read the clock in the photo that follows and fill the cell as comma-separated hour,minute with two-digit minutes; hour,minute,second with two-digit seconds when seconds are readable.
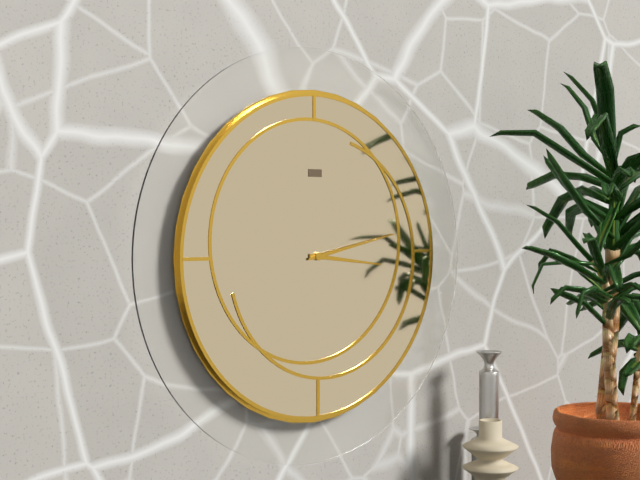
3,13
